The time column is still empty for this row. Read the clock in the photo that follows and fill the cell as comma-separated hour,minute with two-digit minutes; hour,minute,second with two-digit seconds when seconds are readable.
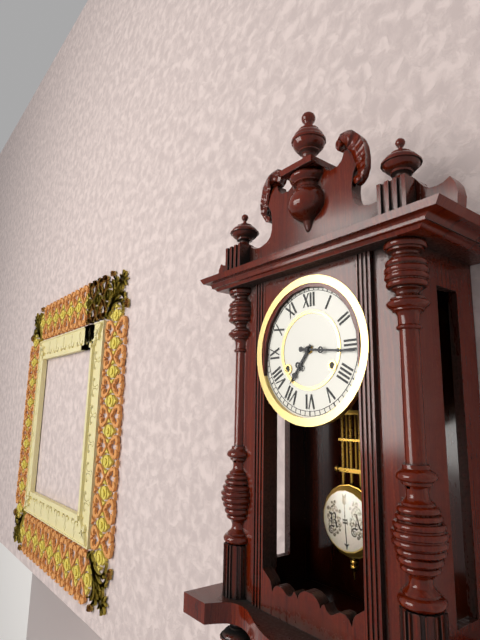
7,16
